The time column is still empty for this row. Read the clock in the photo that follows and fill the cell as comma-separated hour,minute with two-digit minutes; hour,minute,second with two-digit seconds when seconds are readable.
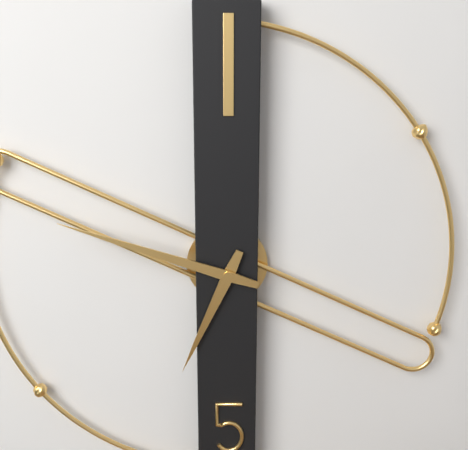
6,48
